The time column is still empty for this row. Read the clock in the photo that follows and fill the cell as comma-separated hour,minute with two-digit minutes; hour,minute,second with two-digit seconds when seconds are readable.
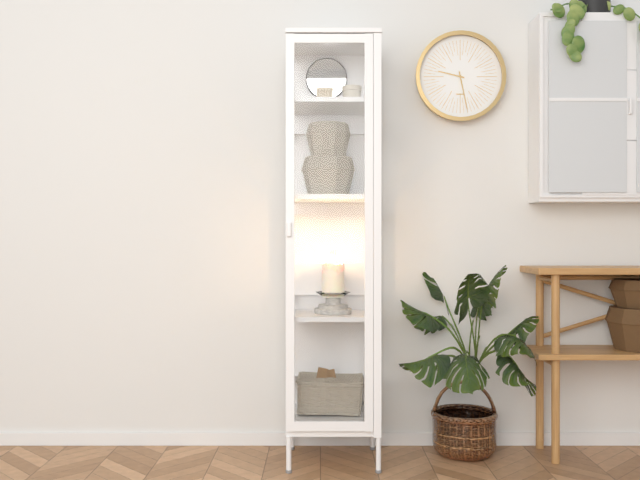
9,28
